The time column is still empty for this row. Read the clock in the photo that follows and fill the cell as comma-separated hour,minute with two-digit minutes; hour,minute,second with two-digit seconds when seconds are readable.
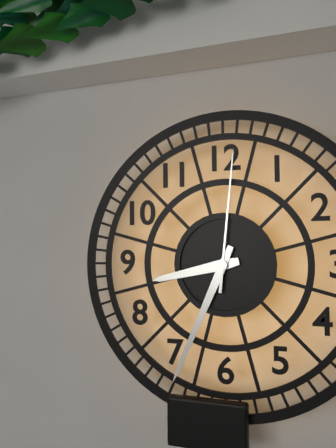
8,34,01
